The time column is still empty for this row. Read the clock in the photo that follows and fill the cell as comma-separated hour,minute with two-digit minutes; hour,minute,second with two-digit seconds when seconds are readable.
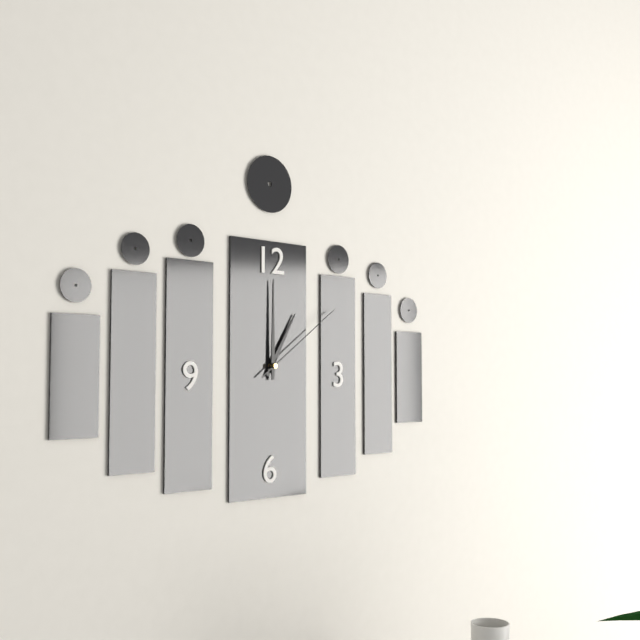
1,00,09
